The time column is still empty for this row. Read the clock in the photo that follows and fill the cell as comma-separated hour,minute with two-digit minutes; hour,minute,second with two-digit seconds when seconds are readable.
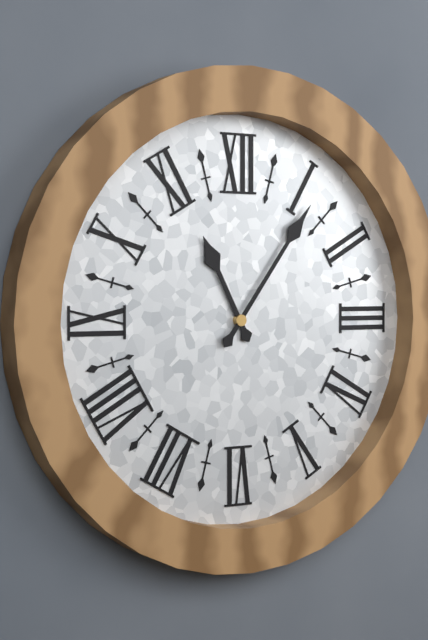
11,06
